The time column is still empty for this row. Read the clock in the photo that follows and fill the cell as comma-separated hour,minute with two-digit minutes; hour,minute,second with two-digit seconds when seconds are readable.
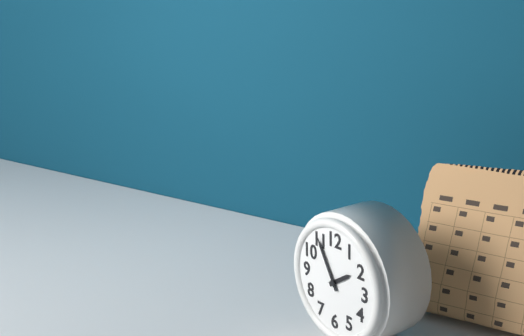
1,55
